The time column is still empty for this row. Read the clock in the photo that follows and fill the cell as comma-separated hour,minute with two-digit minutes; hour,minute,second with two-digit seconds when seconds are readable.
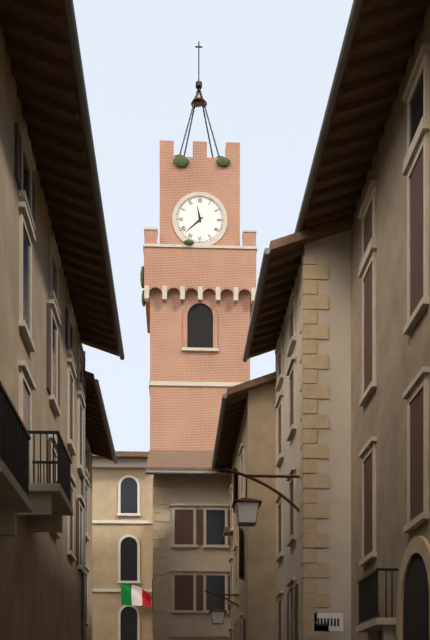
11,38
